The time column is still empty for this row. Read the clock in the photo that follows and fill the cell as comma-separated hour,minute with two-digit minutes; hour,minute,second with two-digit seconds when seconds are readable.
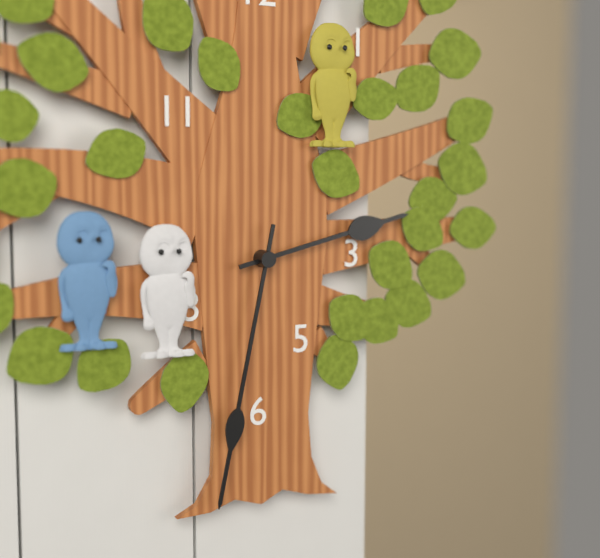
2,32
